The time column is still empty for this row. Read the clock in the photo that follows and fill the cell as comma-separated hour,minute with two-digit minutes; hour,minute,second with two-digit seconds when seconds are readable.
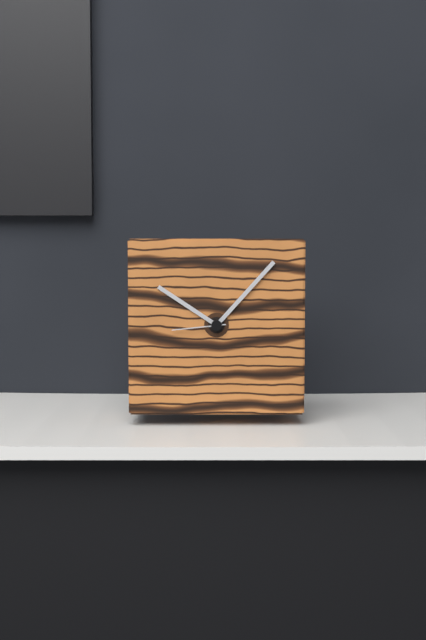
10,07,44
